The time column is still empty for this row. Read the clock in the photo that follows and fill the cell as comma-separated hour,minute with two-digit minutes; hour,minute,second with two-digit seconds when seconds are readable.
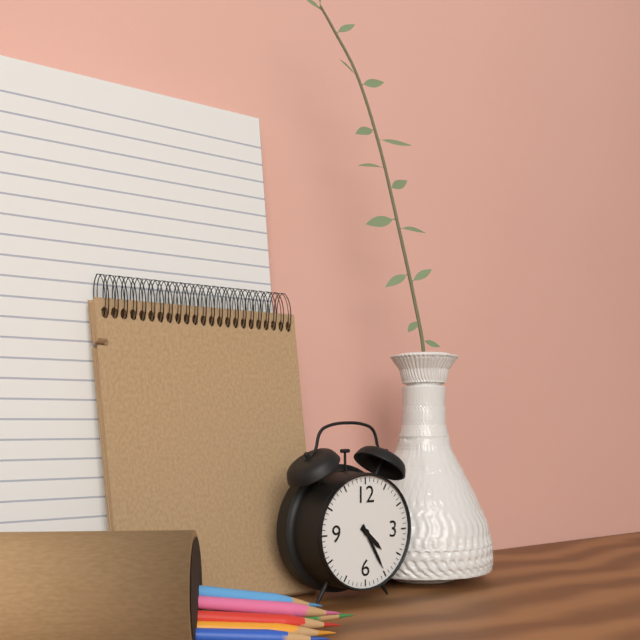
4,25
